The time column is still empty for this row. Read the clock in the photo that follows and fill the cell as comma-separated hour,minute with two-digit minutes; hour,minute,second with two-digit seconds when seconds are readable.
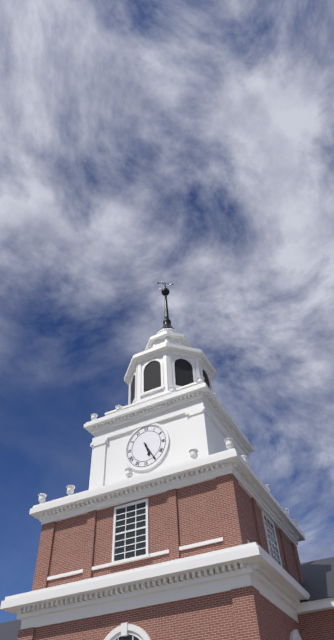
5,25
